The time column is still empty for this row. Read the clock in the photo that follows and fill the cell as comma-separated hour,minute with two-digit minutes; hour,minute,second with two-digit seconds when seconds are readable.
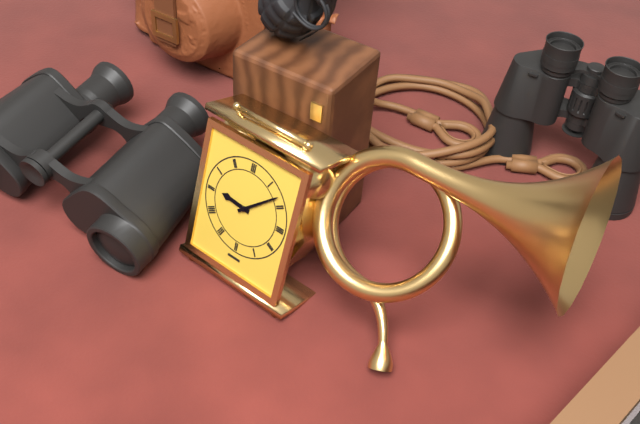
9,08
